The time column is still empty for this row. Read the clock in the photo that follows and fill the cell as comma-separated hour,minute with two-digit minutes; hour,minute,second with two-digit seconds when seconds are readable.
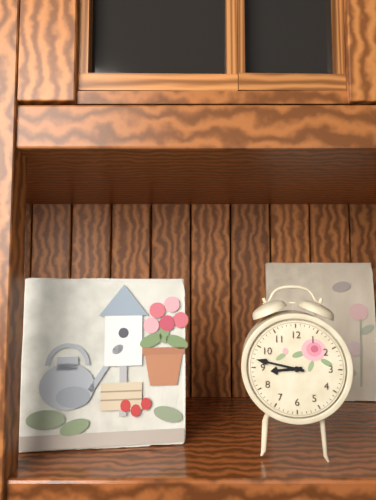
8,47
